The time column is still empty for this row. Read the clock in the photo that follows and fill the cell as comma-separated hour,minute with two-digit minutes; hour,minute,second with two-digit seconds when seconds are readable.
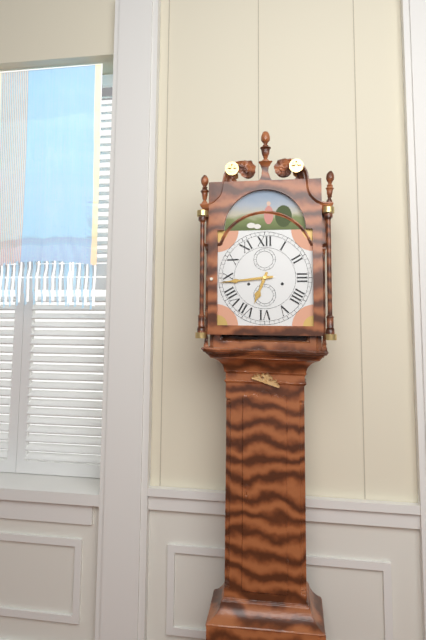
6,44
